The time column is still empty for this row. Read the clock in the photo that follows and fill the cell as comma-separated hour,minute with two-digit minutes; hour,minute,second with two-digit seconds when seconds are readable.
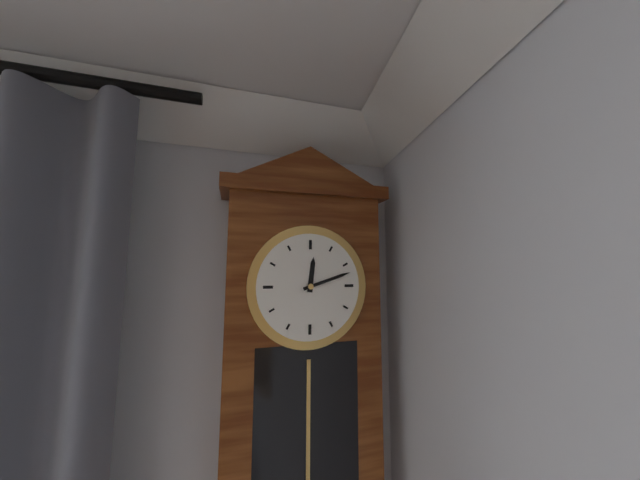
12,12
